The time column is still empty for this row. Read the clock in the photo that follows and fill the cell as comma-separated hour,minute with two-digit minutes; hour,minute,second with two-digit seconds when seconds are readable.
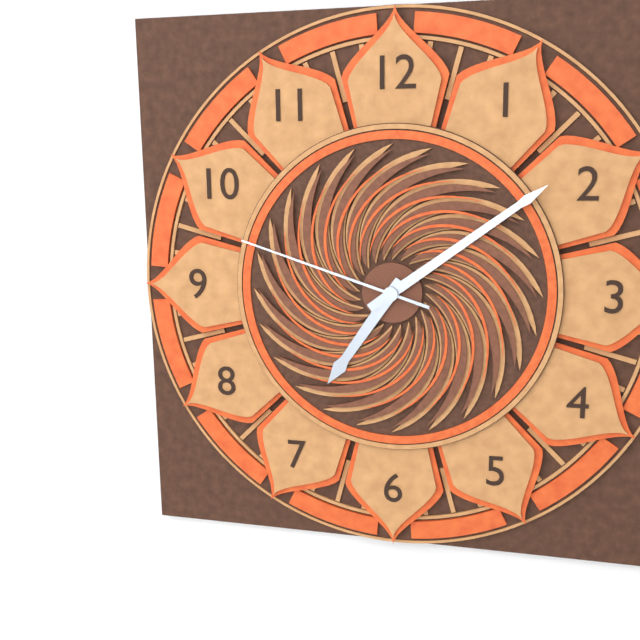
7,09,48
